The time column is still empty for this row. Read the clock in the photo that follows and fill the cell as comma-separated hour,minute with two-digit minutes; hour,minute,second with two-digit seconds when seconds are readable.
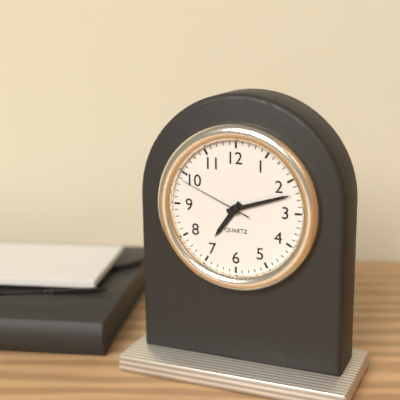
7,12,49
